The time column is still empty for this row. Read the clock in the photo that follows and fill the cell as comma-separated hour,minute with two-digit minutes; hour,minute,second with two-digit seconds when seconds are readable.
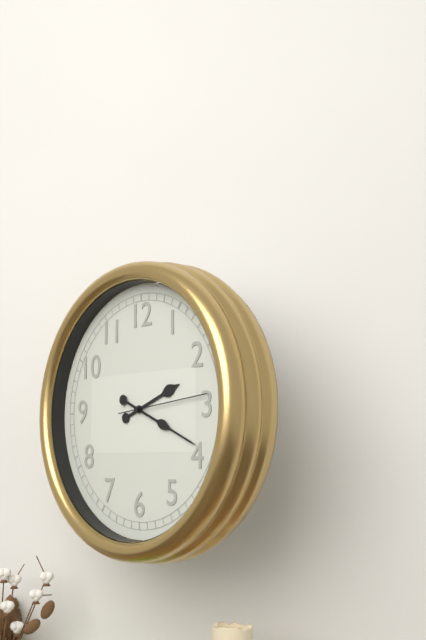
2,19,14
